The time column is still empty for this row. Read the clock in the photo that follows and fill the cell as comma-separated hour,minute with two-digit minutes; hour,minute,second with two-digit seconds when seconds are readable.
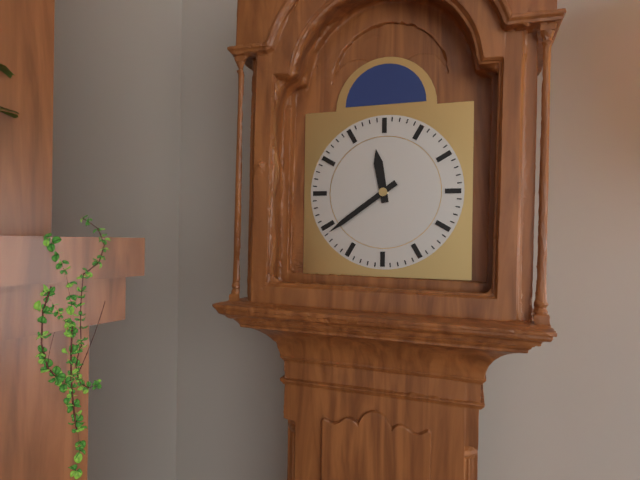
11,39
